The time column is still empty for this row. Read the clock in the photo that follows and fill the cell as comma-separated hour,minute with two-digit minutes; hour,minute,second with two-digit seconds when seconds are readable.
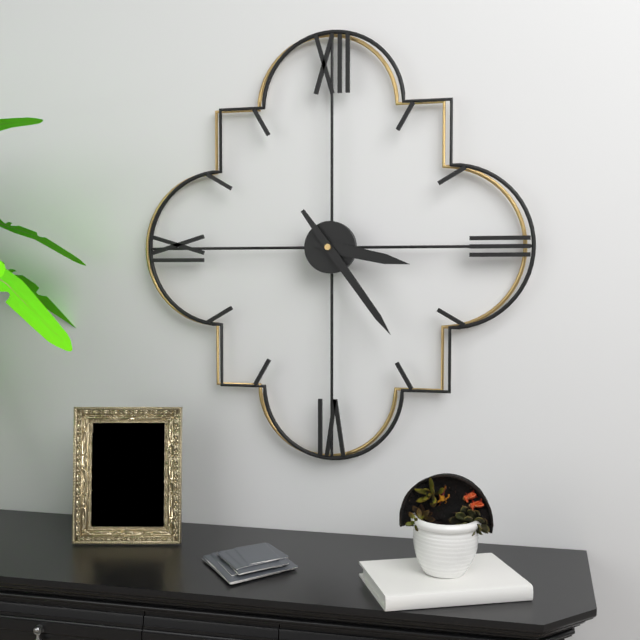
3,24
